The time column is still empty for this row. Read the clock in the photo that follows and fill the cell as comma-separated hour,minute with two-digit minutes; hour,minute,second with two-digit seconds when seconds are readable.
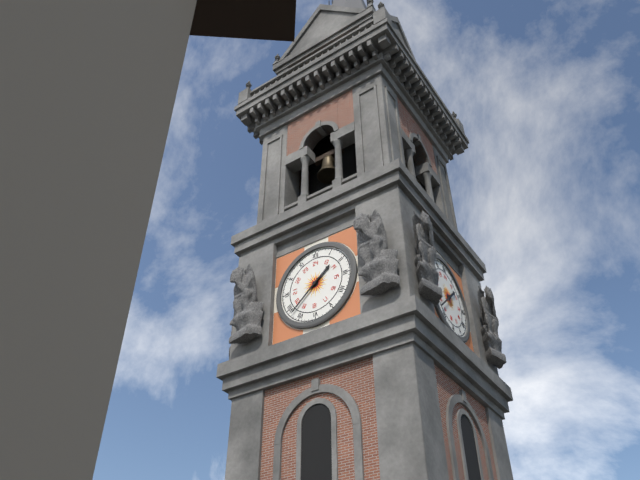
1,38
